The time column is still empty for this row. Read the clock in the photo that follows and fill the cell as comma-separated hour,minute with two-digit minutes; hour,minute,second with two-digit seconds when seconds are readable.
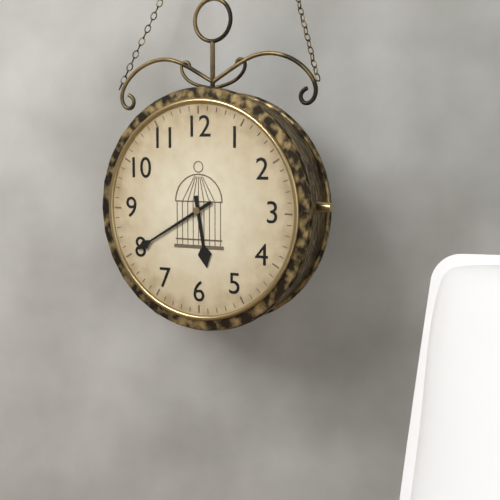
5,40
